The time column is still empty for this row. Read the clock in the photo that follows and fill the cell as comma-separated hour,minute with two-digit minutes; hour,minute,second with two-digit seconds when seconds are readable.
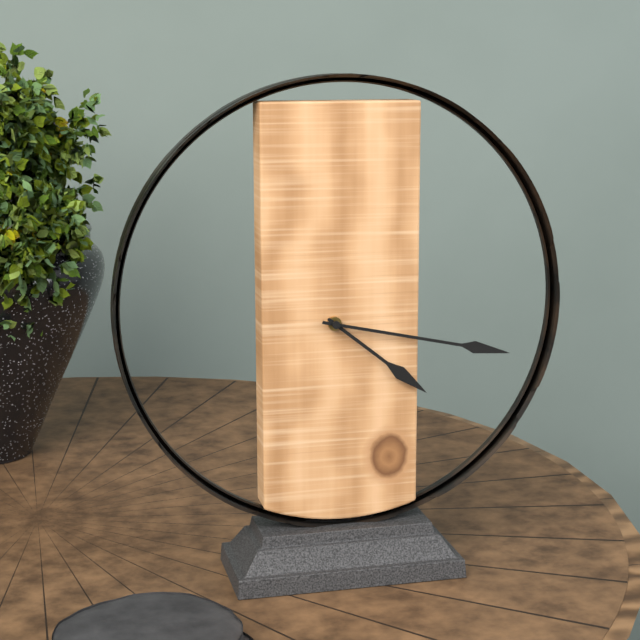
4,17
